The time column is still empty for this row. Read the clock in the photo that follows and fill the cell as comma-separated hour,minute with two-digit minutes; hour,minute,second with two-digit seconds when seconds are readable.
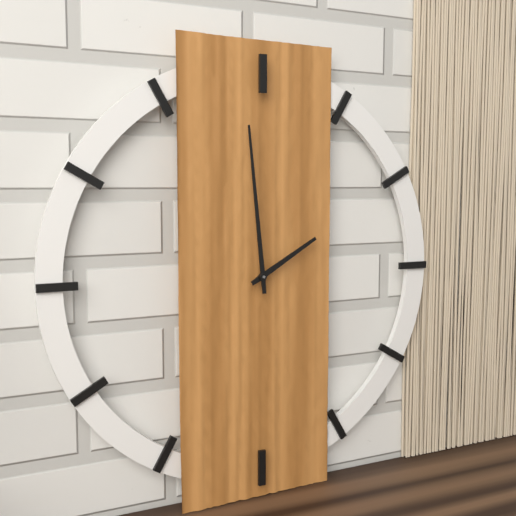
1,59
